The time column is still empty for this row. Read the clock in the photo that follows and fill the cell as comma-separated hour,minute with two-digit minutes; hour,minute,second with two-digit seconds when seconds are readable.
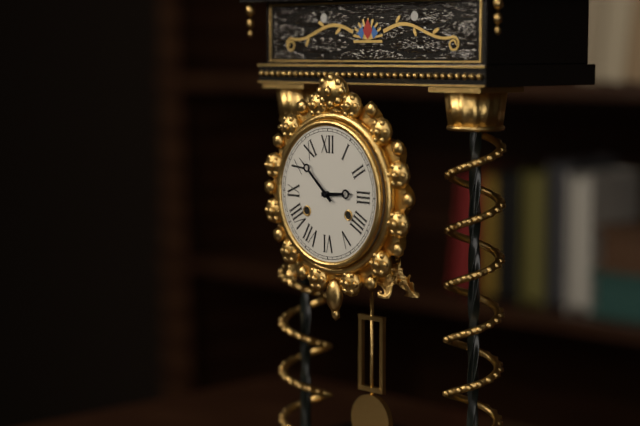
2,52
